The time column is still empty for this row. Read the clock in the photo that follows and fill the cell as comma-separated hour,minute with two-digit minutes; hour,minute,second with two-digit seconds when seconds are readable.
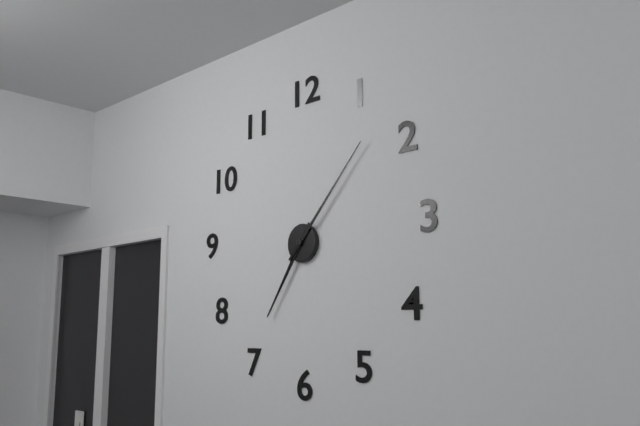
7,07
